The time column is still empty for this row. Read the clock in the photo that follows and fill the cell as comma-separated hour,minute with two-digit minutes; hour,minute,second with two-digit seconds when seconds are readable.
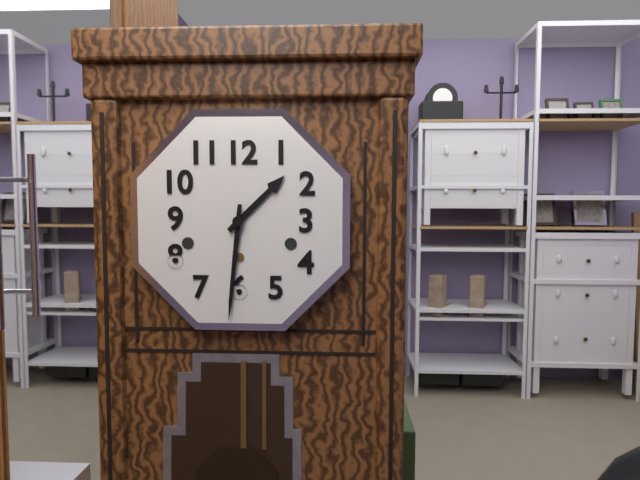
1,31
